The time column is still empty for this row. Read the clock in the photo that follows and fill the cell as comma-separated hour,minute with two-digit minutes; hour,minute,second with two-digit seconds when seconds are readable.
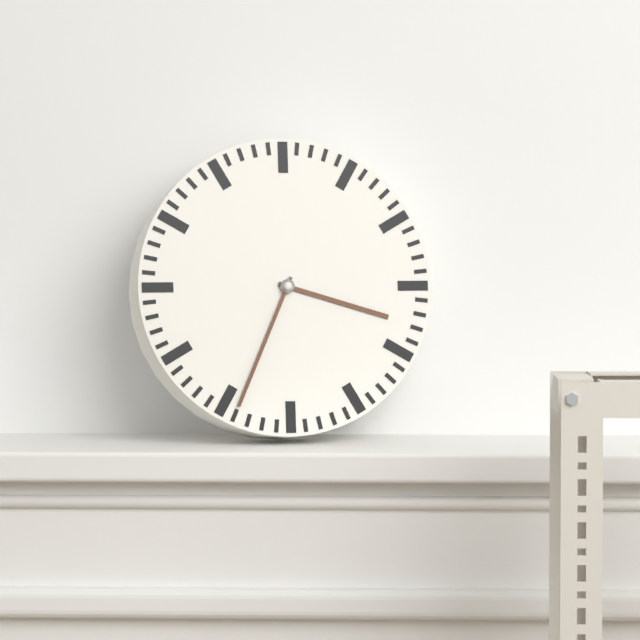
3,34
